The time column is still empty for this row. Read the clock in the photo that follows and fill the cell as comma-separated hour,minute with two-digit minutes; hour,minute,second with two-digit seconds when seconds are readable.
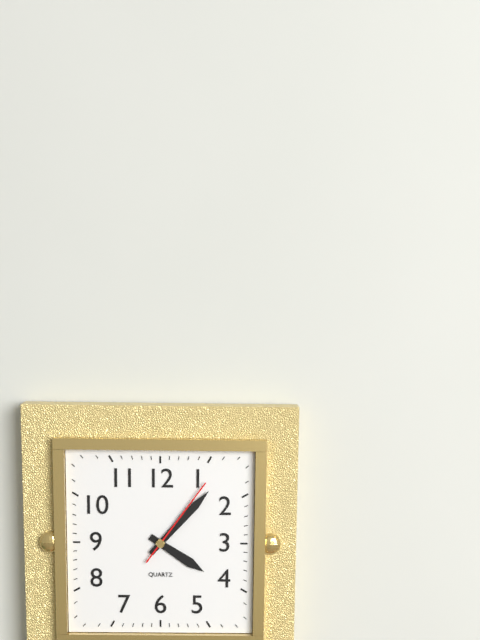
4,07,06
